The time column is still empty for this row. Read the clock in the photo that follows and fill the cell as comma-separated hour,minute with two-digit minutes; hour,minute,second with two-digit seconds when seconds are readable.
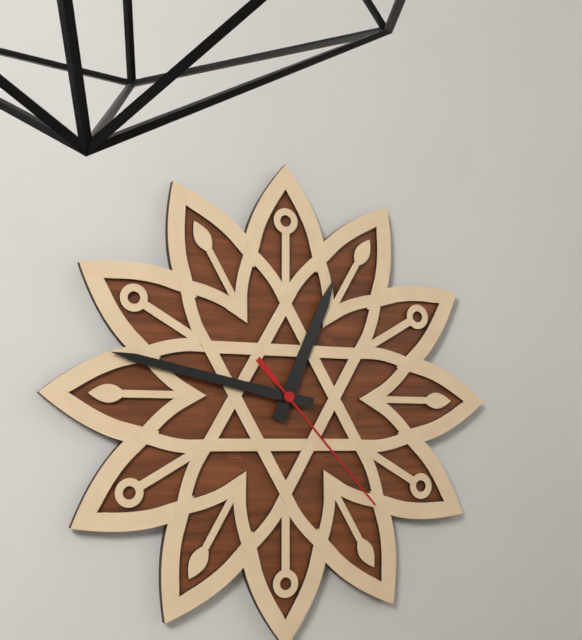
12,47,23
